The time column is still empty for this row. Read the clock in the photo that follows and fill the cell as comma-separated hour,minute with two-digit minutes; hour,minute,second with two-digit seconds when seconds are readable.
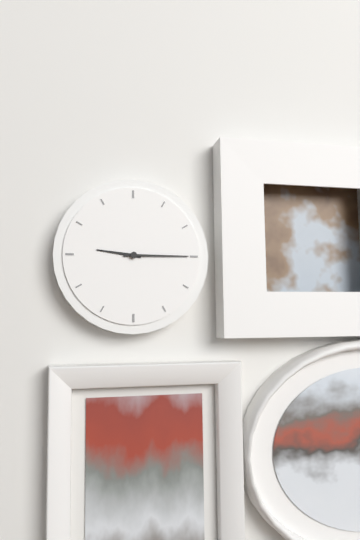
9,15
